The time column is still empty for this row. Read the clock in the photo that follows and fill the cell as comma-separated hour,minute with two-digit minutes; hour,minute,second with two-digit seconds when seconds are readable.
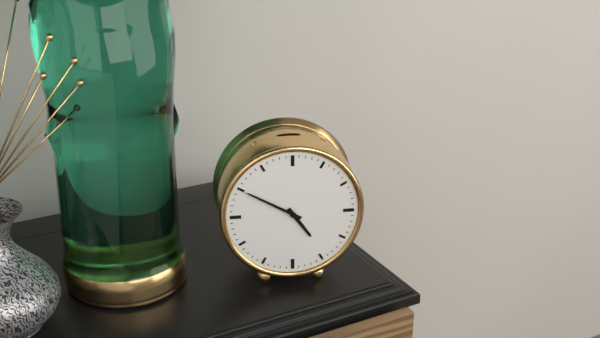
4,50
